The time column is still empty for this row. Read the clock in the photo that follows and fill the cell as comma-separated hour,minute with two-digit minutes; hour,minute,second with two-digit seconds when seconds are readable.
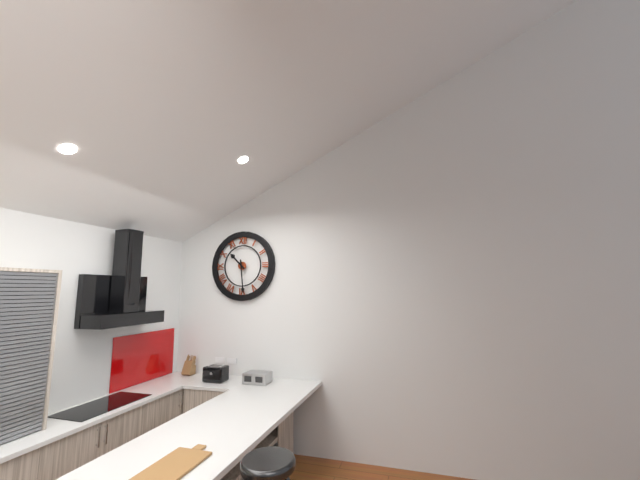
10,29
